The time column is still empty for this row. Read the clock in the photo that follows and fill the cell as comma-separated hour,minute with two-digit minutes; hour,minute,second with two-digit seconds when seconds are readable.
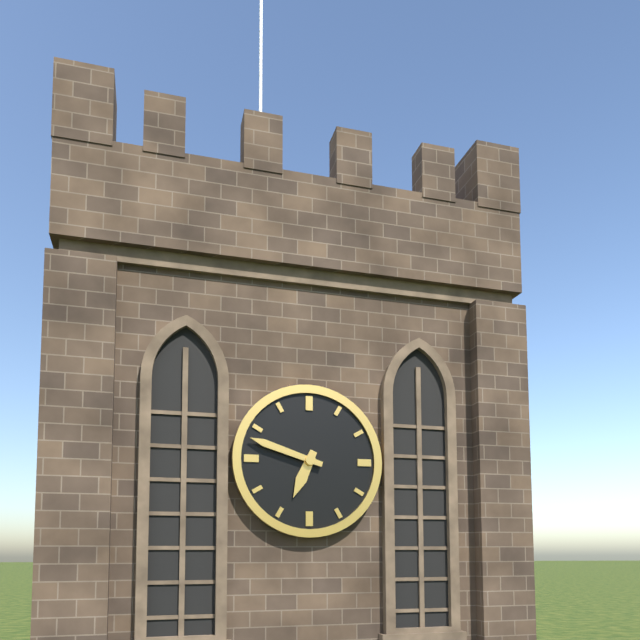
6,48
